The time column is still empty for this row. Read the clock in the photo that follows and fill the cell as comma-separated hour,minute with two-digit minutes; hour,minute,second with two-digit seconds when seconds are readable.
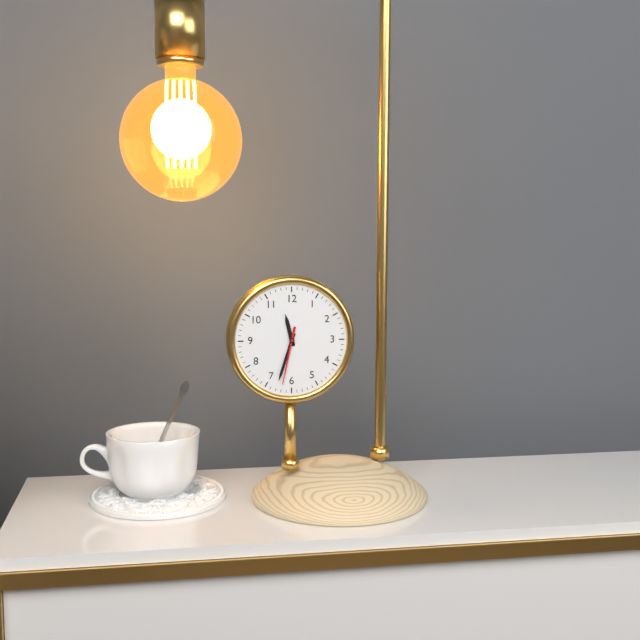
11,33,32
